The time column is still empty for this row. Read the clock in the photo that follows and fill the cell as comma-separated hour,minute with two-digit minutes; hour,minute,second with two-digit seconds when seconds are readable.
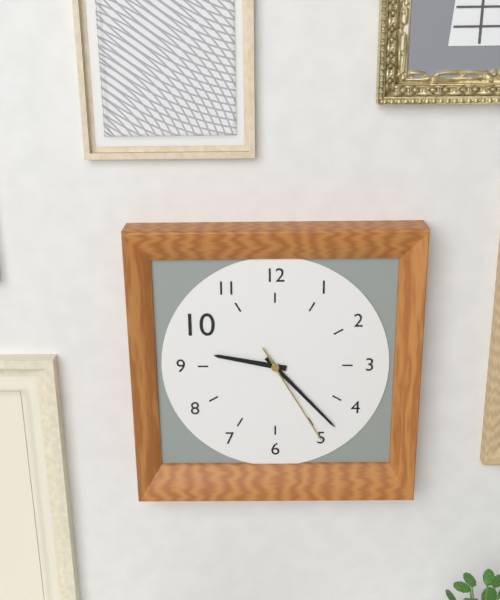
9,23,25
